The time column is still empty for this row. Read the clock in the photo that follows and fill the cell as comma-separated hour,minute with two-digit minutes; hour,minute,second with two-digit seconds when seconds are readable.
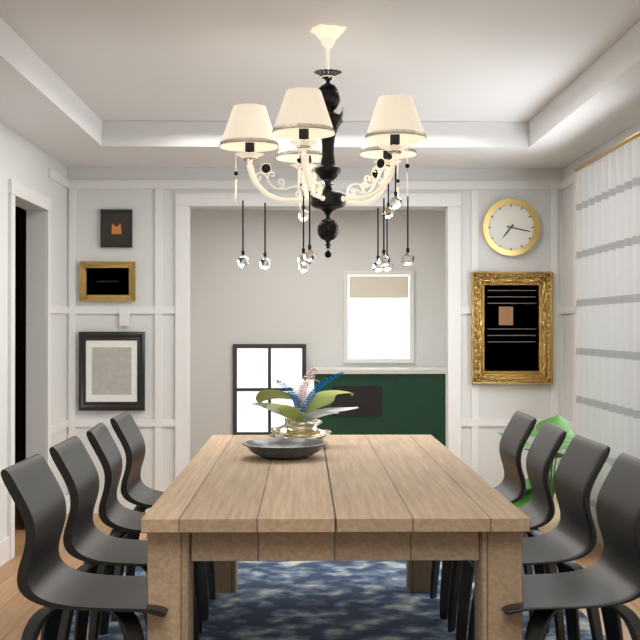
7,17
